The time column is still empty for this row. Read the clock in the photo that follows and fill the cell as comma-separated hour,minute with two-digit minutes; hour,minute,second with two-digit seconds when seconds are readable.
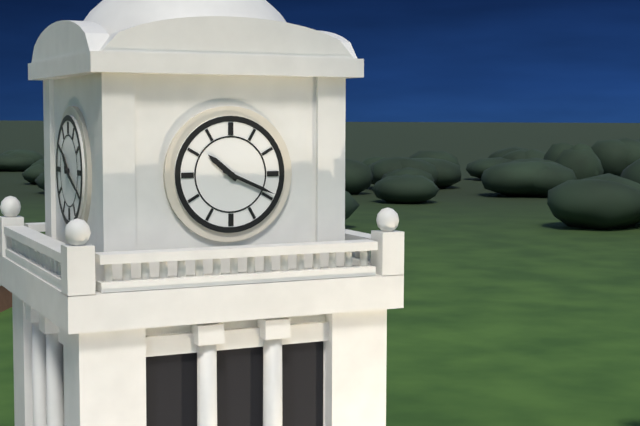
10,19
